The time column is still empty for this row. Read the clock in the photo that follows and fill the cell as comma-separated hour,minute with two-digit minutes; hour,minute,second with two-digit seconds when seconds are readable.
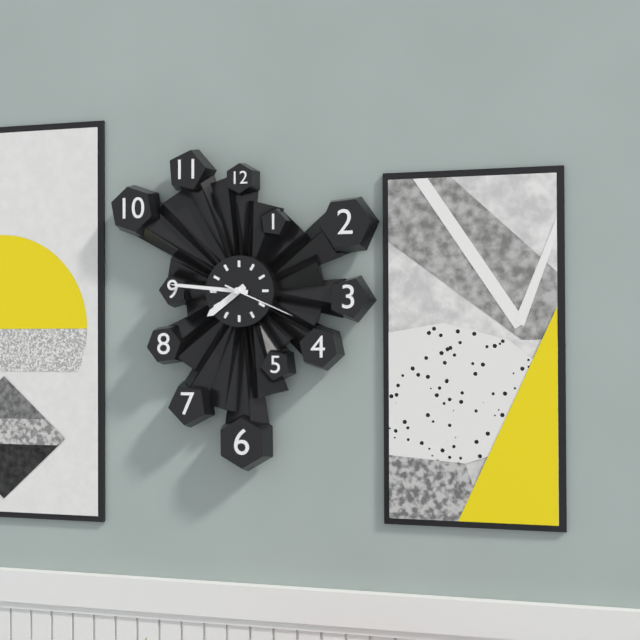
7,46,19
